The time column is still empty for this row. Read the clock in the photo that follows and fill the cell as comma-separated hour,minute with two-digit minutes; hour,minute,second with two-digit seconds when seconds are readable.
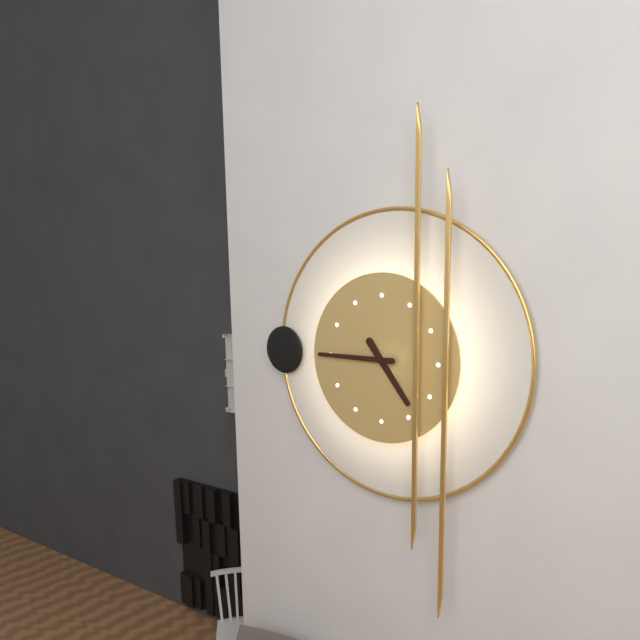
4,45
